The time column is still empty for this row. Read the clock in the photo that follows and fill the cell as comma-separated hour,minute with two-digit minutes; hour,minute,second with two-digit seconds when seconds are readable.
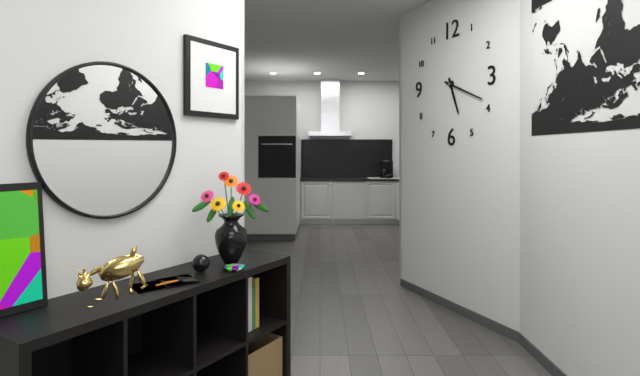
5,19
